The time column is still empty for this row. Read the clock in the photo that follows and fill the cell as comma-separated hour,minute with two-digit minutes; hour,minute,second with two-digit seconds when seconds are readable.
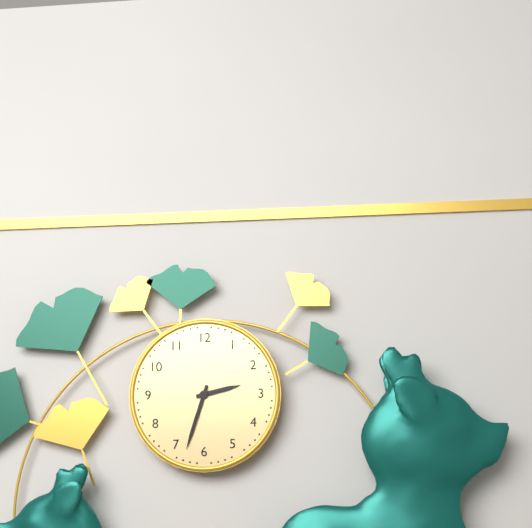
2,33
